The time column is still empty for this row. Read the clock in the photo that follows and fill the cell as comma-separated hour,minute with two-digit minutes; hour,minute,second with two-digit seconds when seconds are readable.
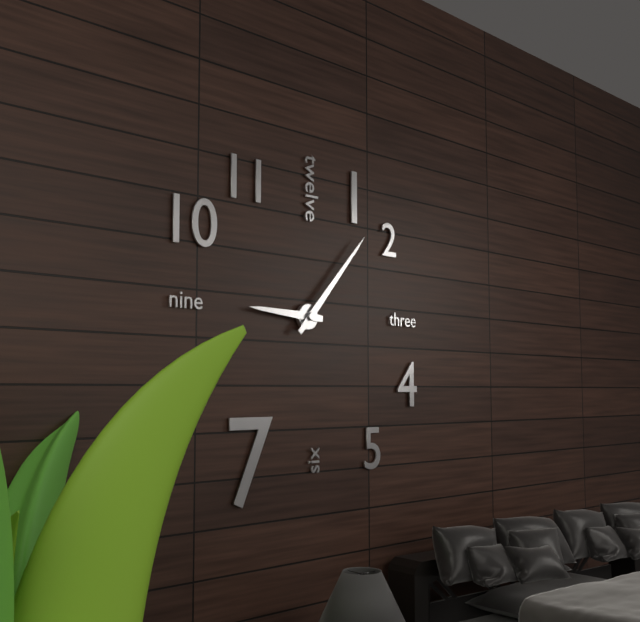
9,07
